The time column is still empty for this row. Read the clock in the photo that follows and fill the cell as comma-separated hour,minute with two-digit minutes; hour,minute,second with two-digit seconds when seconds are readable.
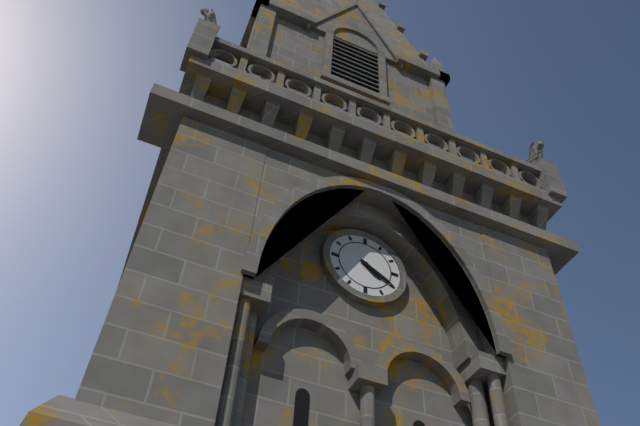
4,20
